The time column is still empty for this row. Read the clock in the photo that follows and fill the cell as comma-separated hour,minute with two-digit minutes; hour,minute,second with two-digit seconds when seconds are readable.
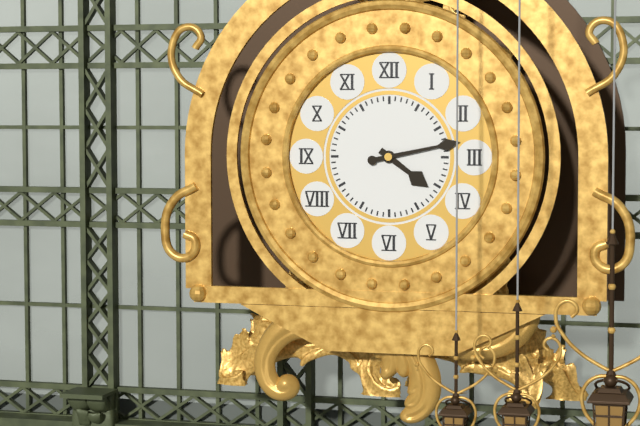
4,13
